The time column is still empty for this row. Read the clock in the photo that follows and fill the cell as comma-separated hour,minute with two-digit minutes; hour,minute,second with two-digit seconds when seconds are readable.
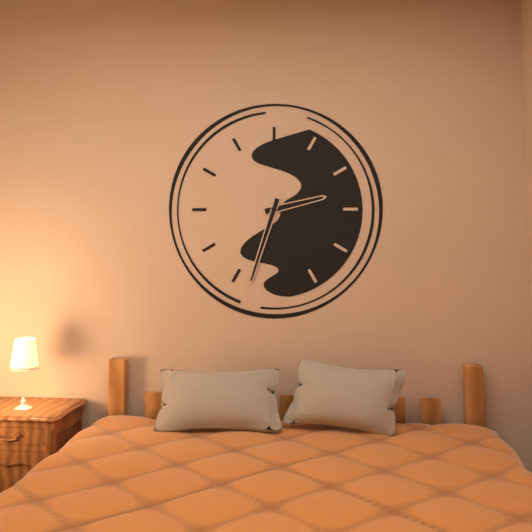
2,33
